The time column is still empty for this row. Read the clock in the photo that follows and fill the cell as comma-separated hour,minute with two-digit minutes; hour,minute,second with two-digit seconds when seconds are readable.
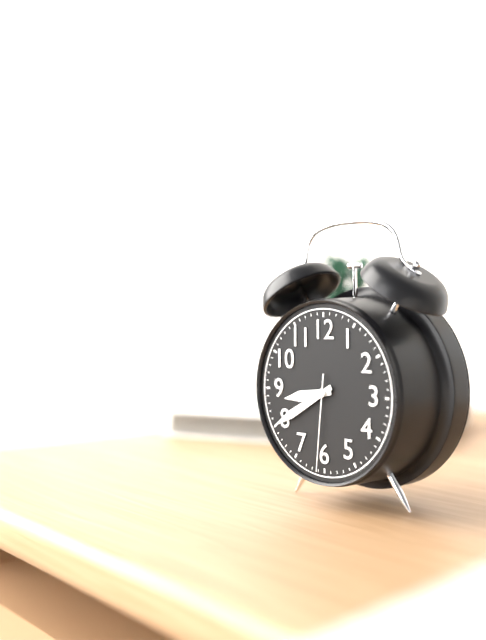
8,40,31
